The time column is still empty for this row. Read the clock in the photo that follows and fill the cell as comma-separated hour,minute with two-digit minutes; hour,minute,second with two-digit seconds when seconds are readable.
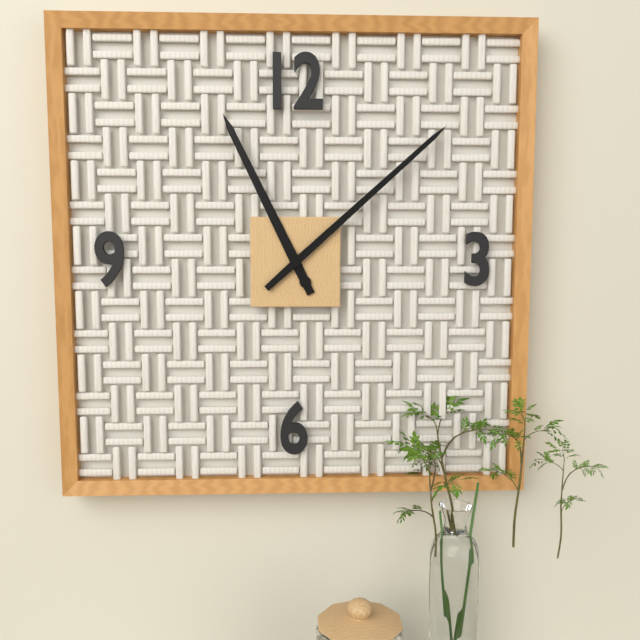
11,08
